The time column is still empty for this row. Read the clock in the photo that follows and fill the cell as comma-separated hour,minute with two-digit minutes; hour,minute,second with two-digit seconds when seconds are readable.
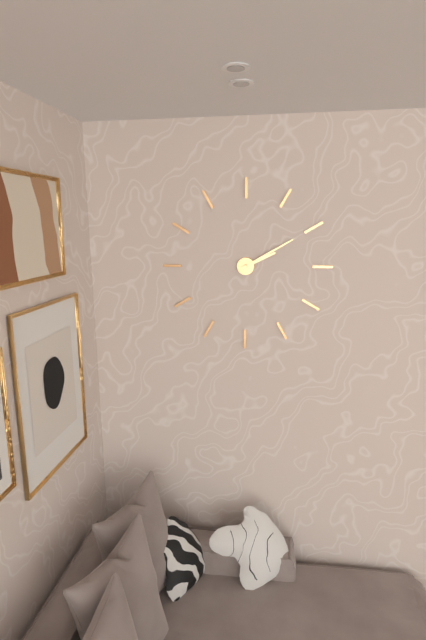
2,10
